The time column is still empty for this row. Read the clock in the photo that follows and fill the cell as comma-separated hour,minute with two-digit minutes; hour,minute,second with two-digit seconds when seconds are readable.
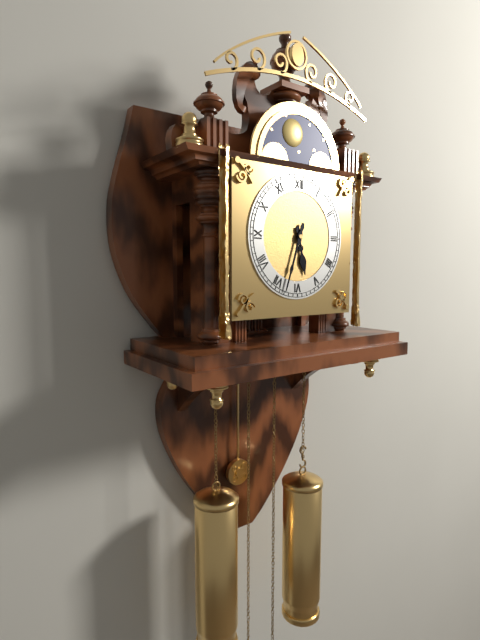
5,33
